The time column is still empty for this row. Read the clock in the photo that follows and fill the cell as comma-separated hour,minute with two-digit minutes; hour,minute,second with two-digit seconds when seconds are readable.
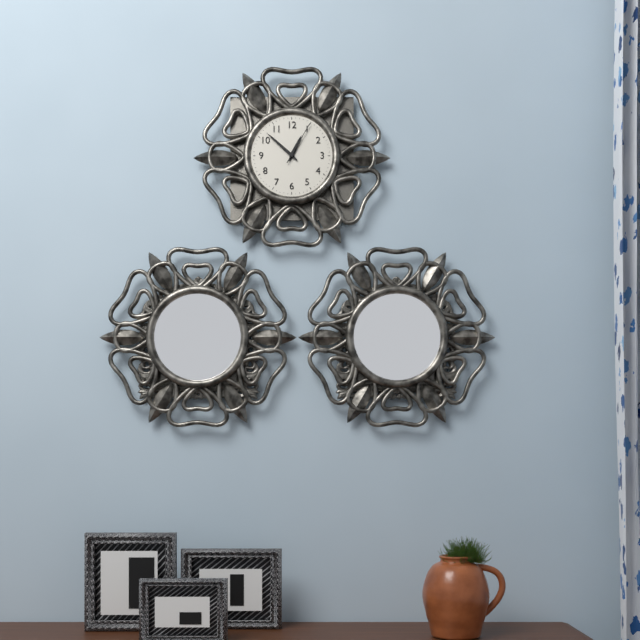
12,52
